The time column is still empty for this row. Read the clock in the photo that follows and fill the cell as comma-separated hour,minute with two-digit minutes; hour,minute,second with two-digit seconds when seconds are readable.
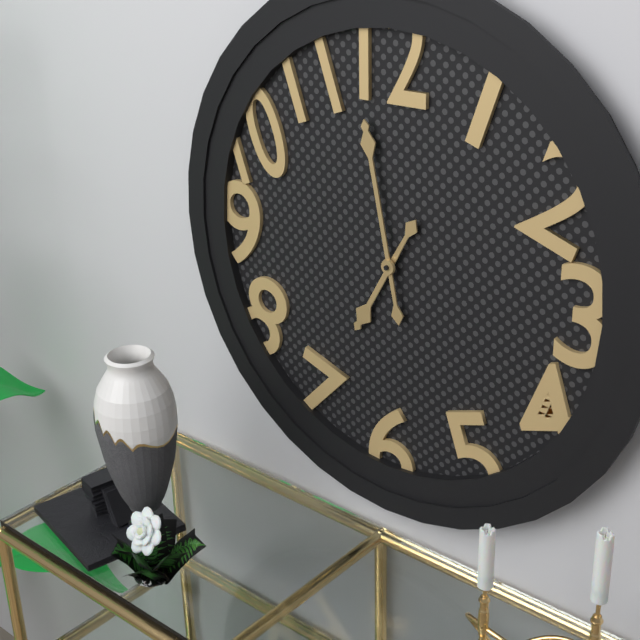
6,58
